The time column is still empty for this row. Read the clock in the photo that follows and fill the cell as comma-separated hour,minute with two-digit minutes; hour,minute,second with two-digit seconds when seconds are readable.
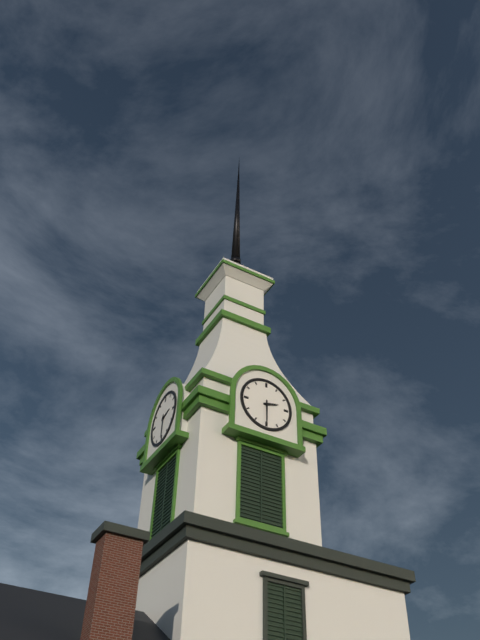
2,30
